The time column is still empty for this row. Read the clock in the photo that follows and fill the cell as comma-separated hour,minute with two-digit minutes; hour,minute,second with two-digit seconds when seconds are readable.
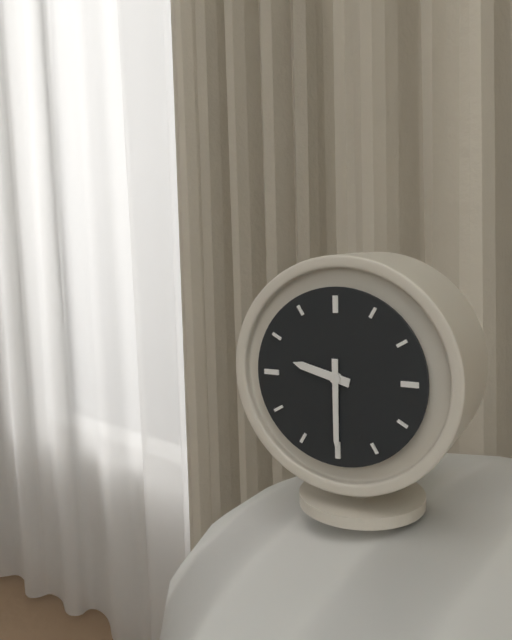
9,30
